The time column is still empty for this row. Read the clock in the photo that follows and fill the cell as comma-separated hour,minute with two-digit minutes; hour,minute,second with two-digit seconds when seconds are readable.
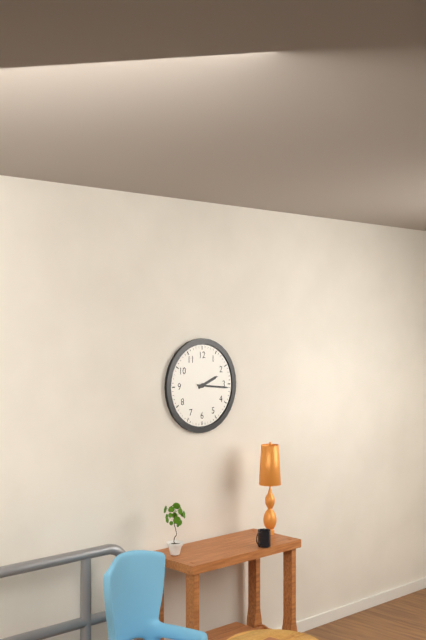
2,16
